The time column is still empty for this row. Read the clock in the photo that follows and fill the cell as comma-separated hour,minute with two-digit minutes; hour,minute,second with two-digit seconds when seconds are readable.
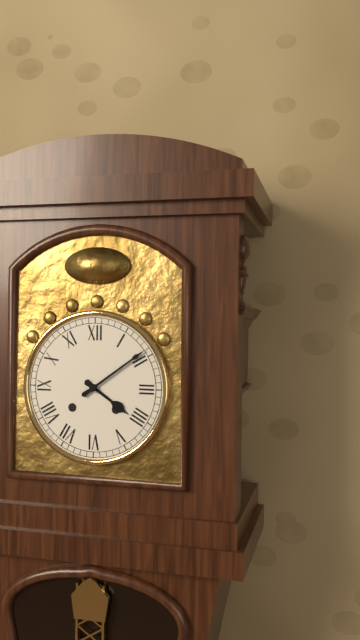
4,09
